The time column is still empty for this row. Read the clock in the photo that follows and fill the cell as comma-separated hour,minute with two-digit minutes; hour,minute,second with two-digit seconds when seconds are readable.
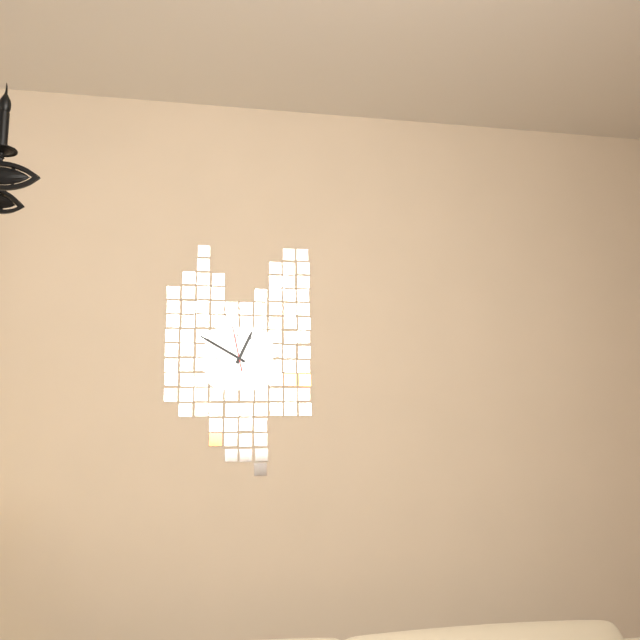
12,50,58
